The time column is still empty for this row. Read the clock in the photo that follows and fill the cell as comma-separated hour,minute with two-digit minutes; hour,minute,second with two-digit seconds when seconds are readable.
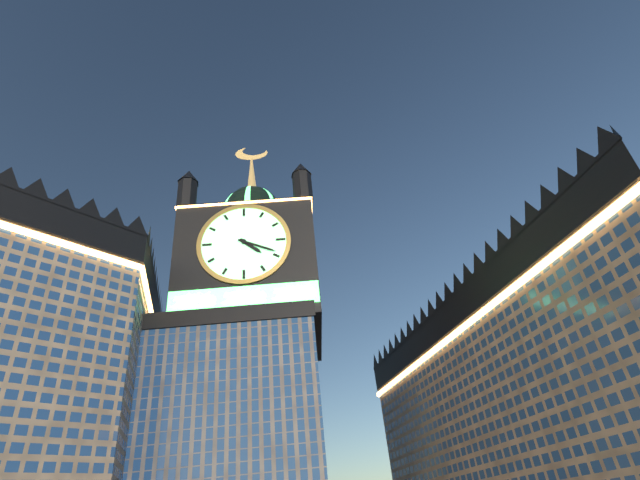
4,19
